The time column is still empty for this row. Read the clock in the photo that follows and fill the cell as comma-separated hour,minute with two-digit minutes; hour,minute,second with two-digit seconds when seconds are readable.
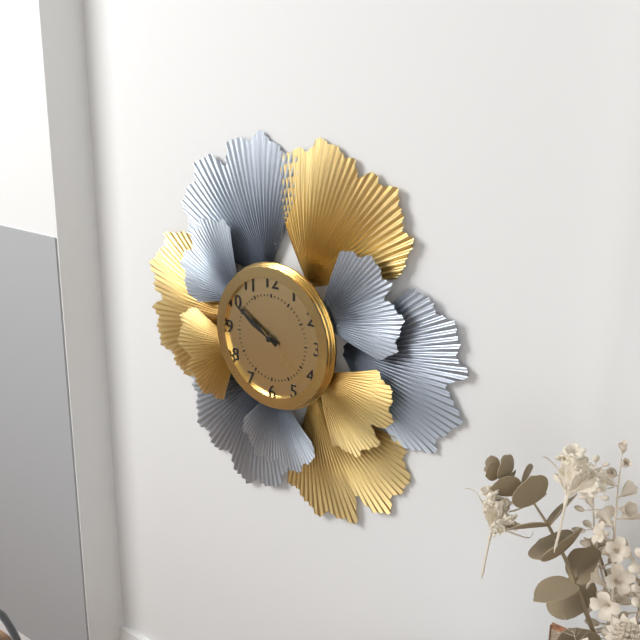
9,50,22
